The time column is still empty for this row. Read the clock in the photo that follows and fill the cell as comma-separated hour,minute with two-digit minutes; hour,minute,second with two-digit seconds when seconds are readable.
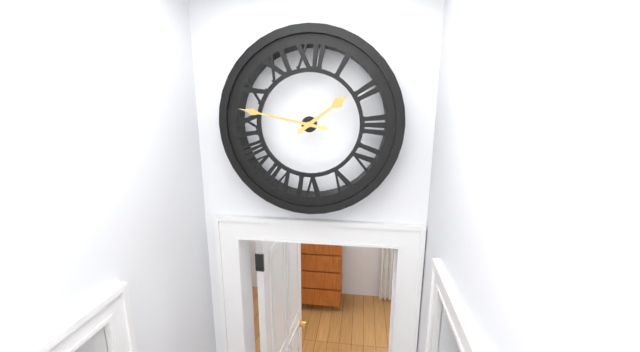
1,47
